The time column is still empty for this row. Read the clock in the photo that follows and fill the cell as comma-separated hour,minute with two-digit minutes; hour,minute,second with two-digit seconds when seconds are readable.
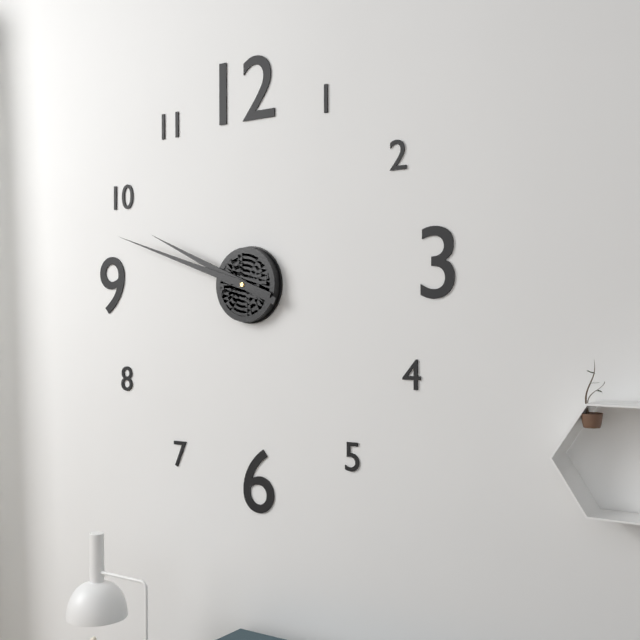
9,48
